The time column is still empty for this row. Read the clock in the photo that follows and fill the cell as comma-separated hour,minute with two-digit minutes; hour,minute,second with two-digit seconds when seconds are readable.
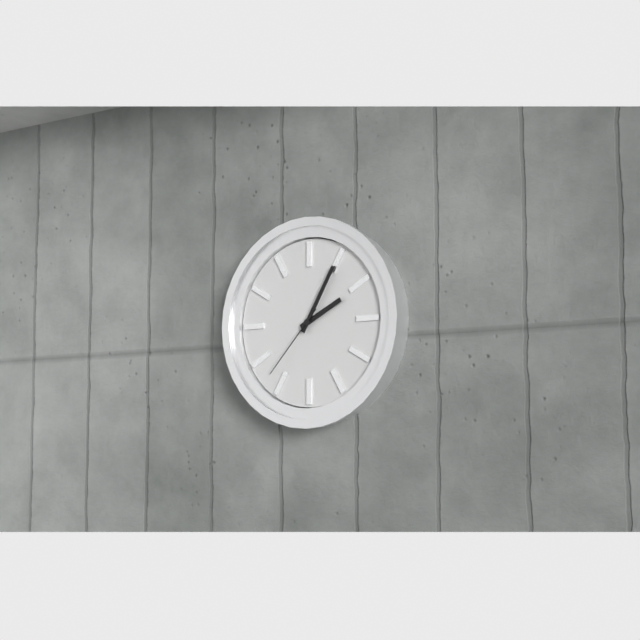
2,05,37
